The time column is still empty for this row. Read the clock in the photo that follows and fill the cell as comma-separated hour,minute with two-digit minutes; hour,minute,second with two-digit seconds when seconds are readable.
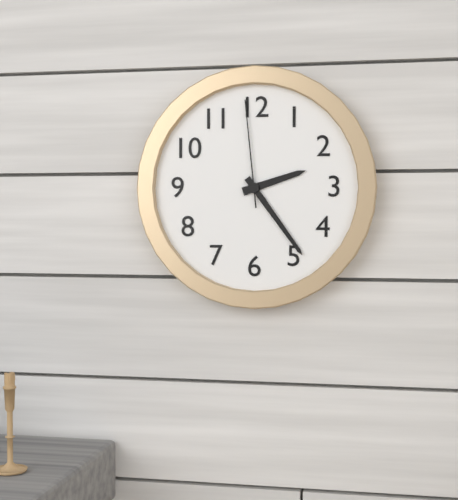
2,24,59
